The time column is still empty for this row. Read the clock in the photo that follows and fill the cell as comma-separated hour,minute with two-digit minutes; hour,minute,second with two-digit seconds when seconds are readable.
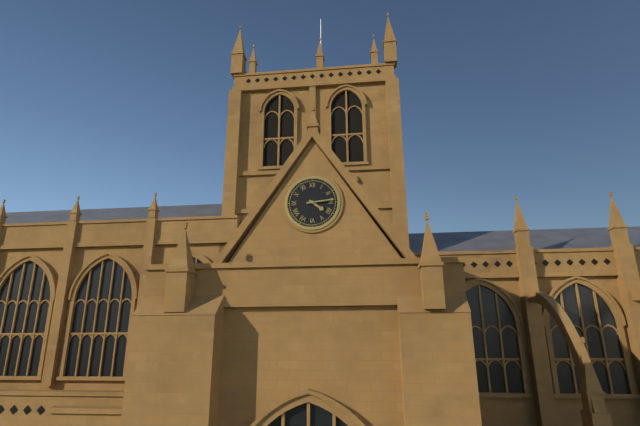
4,14
